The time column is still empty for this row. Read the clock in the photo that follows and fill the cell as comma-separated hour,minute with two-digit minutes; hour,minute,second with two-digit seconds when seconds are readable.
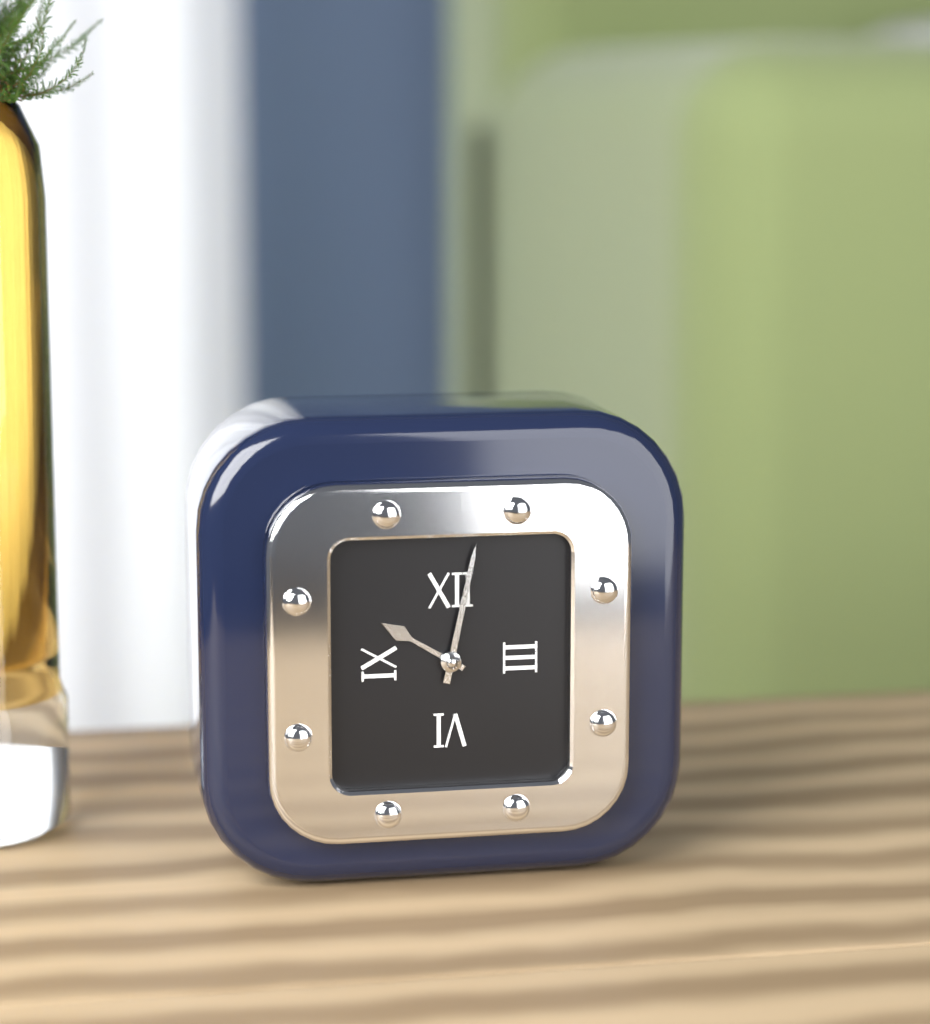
10,02
